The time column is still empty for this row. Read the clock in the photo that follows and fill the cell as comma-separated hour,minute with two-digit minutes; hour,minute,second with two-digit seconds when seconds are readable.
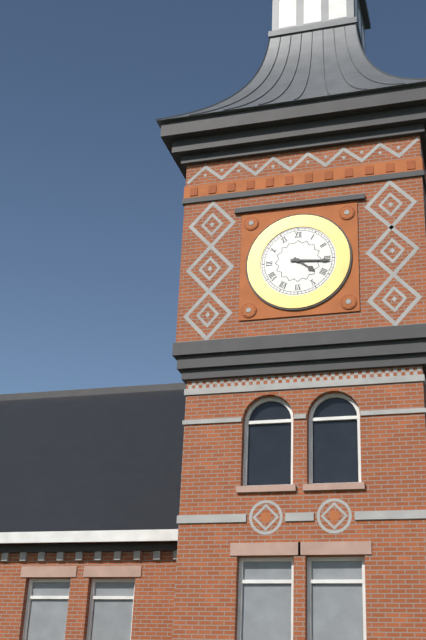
4,16
